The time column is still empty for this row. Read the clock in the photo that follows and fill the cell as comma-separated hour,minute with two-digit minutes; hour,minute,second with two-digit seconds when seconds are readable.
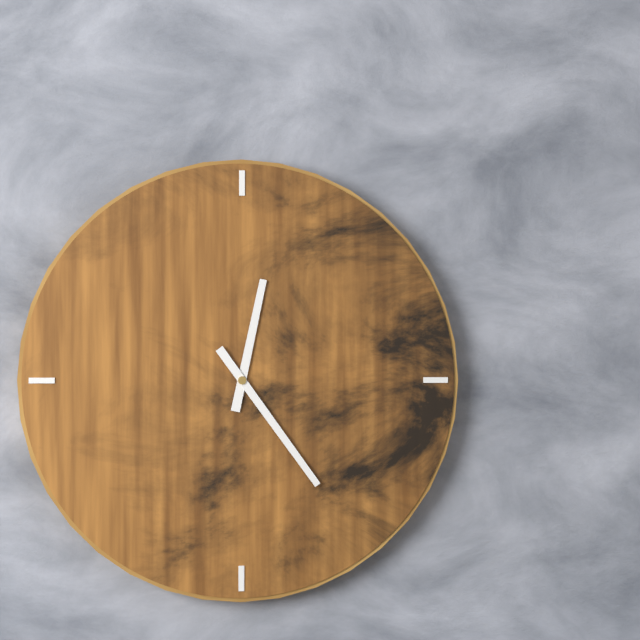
12,24
